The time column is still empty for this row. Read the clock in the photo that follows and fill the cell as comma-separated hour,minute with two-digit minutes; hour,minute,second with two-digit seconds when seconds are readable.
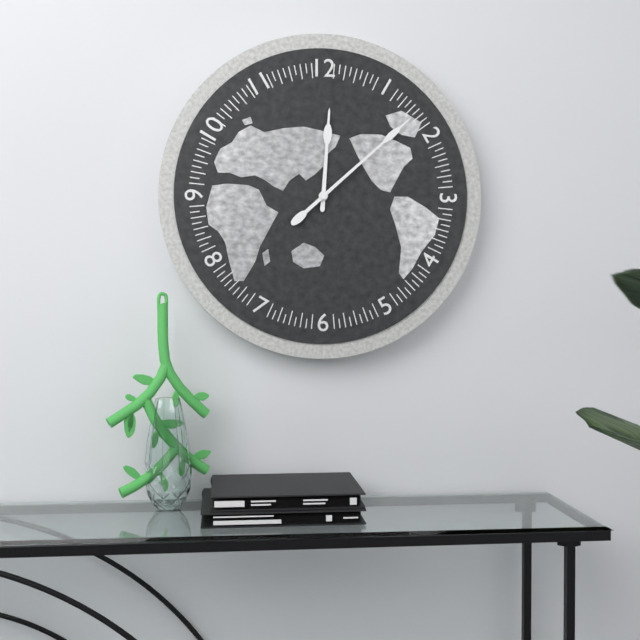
12,08
